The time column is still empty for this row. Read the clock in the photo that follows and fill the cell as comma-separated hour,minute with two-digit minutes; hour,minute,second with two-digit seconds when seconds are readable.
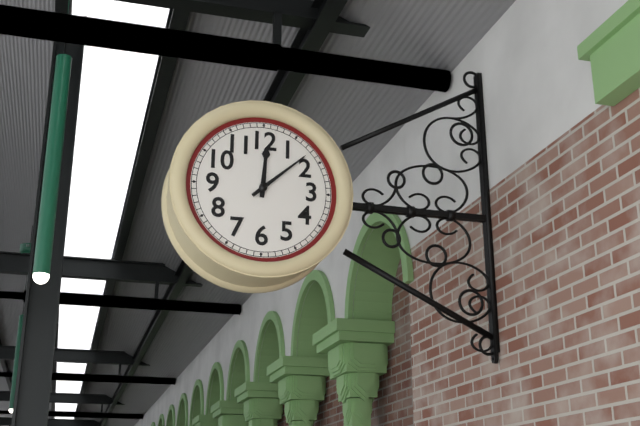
12,08
